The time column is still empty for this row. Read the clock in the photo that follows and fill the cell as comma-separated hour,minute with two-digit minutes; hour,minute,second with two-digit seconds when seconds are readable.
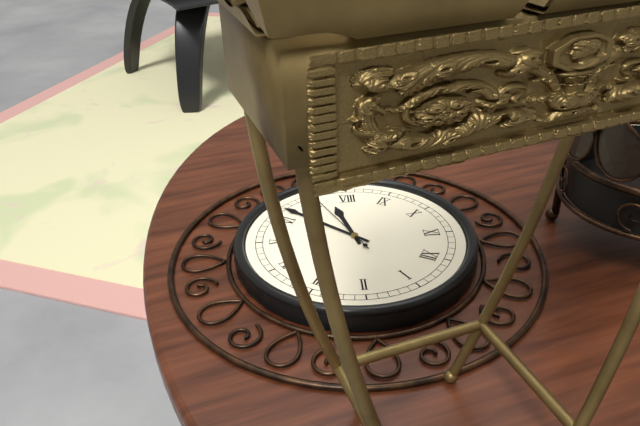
7,32,36
